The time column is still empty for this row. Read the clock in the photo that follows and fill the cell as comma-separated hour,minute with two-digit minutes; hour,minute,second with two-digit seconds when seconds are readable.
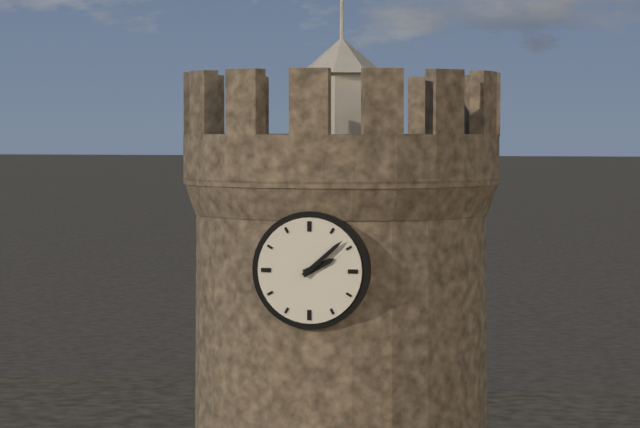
2,08
